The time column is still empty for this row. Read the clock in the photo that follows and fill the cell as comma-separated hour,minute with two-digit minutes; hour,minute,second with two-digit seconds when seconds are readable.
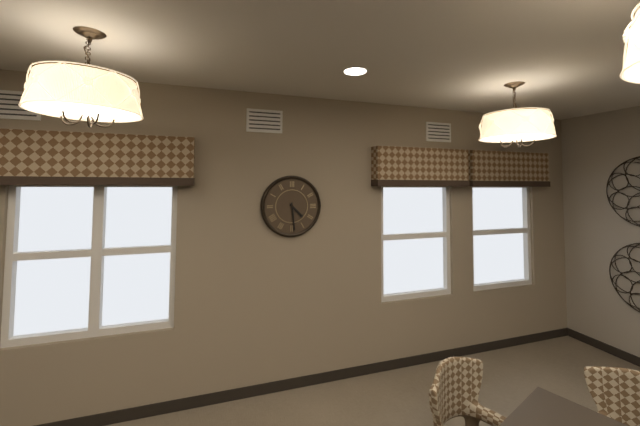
4,29
